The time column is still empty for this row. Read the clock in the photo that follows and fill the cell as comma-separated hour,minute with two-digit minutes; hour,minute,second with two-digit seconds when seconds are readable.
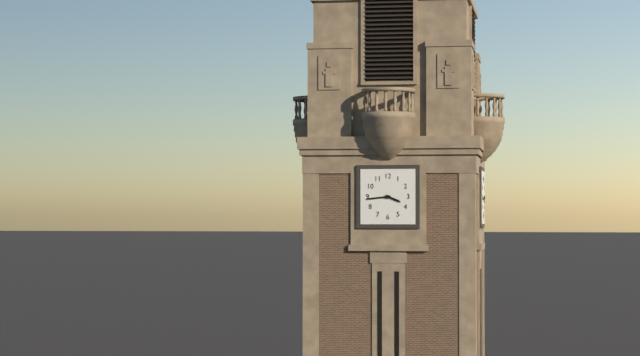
3,44
